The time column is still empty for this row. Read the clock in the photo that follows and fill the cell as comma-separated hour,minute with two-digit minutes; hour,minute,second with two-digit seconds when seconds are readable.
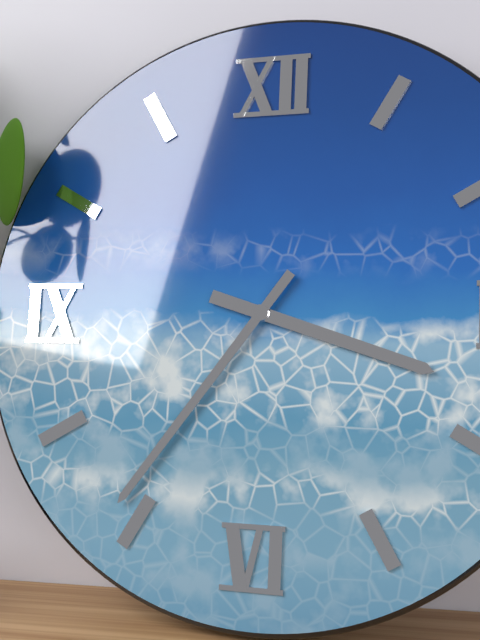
3,36
